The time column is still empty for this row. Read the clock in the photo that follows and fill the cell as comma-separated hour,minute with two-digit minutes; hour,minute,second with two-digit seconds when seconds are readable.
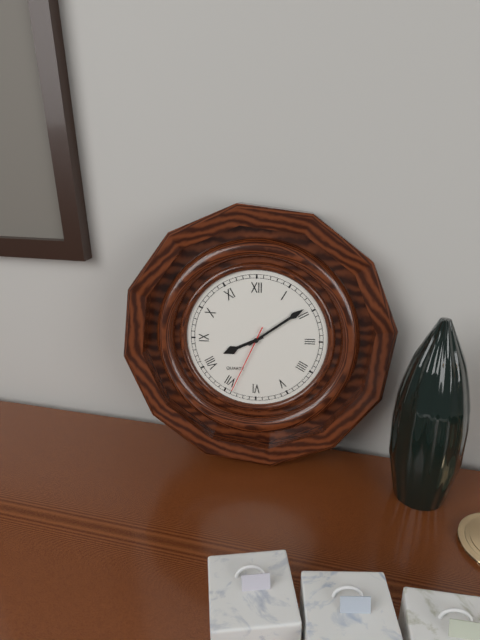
8,09,34
